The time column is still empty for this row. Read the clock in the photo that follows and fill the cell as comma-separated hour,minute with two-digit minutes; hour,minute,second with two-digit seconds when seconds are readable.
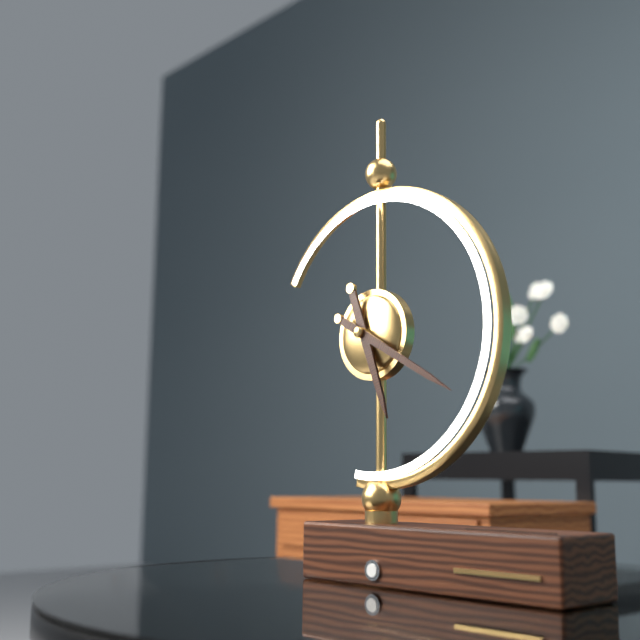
5,20
